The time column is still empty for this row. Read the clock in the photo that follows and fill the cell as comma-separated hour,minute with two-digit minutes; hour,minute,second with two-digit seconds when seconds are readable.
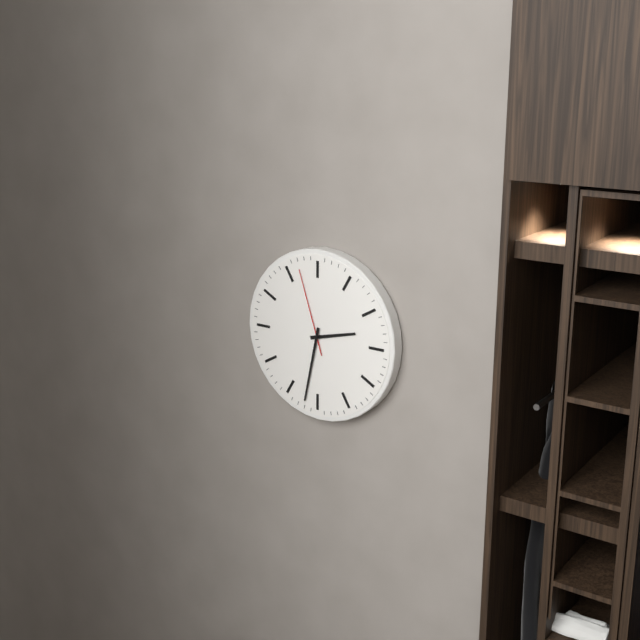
2,32,57
